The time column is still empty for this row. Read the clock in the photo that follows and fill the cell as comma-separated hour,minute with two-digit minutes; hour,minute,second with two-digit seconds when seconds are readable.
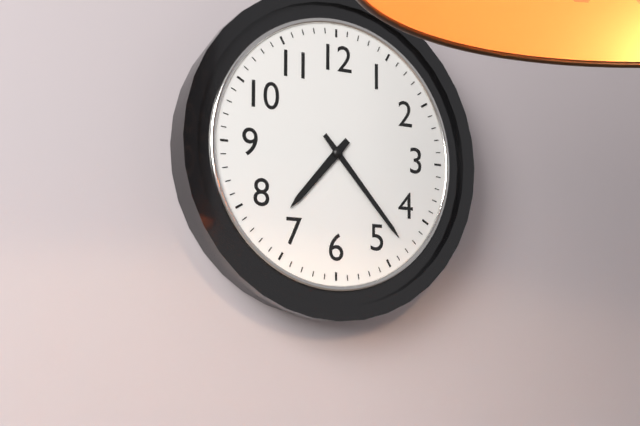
7,23
